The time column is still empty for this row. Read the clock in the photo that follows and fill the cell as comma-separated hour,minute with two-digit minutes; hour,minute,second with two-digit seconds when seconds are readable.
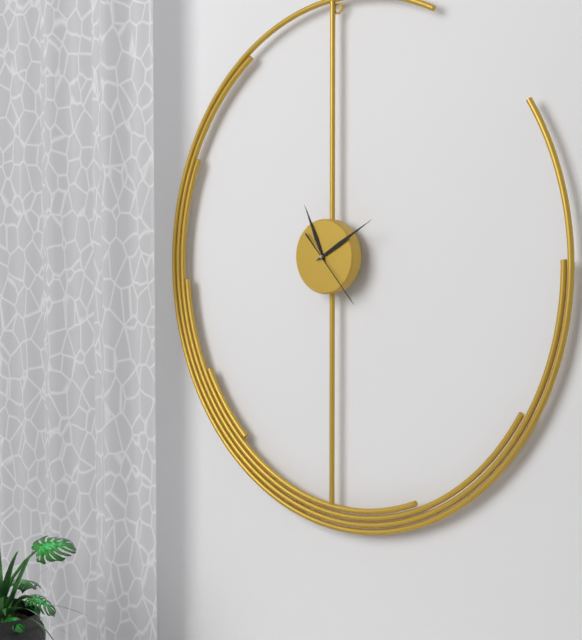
11,10,23
